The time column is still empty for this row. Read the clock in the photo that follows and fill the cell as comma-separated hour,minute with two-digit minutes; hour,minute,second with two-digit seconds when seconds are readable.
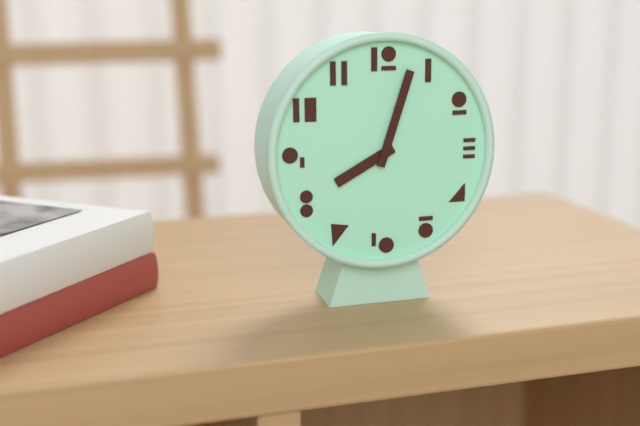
8,03
